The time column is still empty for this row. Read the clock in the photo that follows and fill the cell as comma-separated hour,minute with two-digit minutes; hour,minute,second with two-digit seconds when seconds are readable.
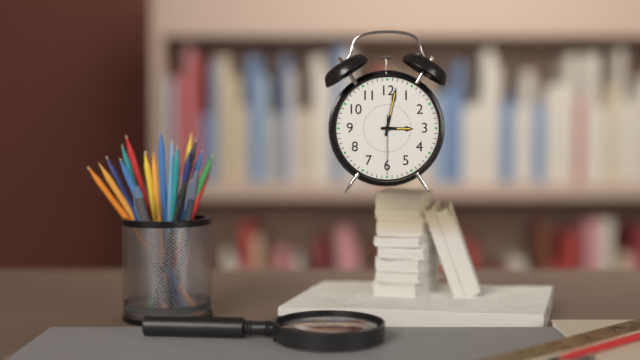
3,02,30
